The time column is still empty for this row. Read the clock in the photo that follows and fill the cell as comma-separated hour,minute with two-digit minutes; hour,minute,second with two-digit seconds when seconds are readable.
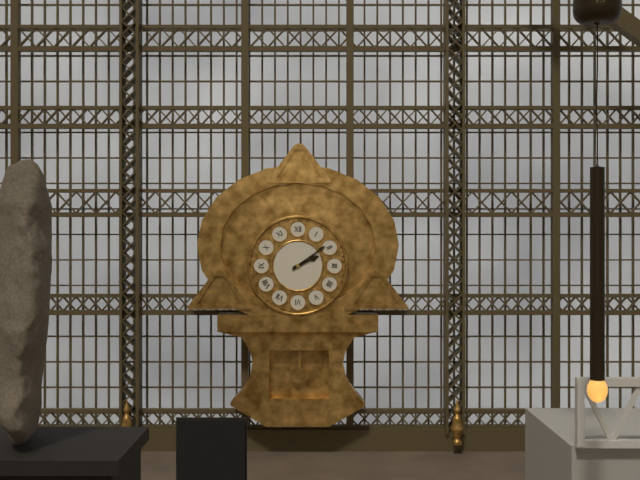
2,09
